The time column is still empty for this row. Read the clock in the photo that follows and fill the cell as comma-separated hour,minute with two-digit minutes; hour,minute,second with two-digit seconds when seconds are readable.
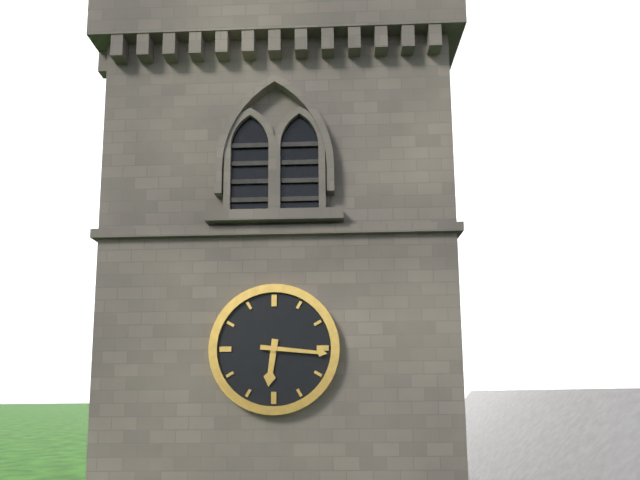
6,16
